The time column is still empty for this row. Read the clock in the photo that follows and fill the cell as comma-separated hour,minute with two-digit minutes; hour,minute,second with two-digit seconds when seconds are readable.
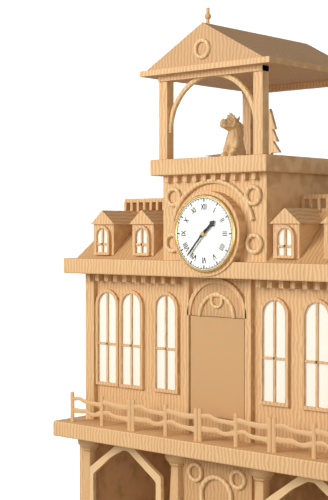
1,37
